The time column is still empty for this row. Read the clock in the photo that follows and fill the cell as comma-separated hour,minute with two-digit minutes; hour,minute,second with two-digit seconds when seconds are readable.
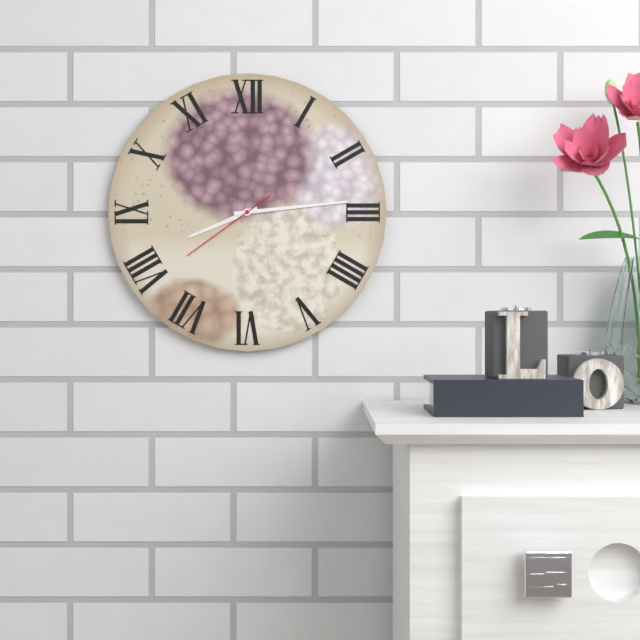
8,14,39
